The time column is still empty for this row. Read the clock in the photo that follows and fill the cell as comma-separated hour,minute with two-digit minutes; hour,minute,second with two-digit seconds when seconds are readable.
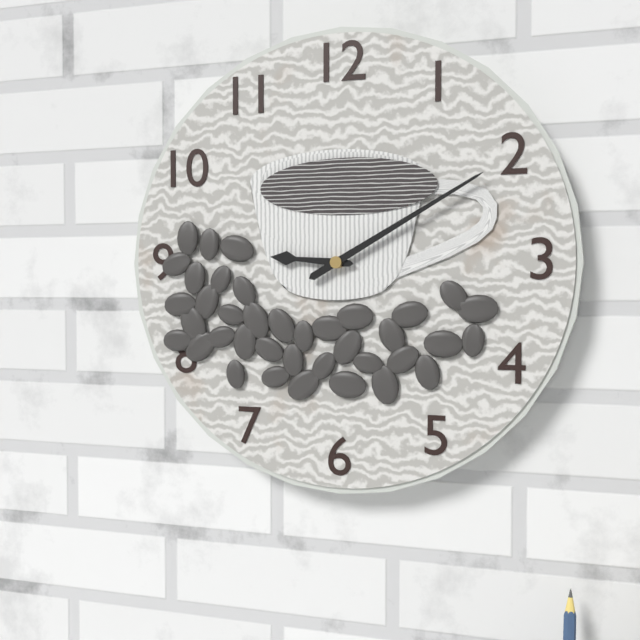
9,10
